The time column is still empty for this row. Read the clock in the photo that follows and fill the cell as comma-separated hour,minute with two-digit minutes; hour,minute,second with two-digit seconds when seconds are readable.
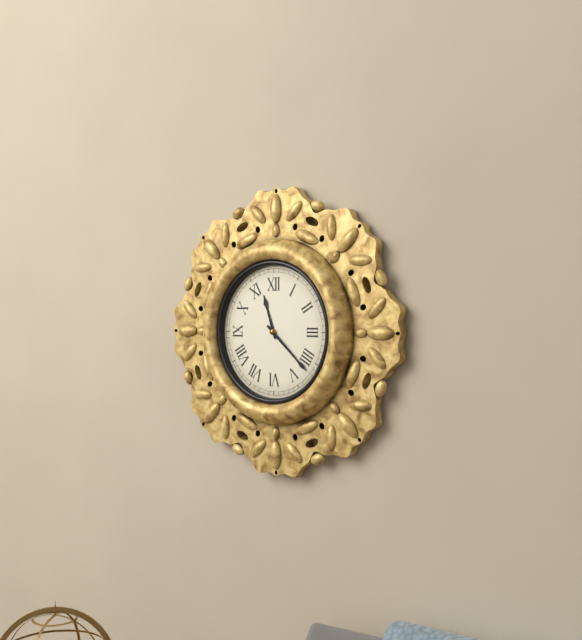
11,22
